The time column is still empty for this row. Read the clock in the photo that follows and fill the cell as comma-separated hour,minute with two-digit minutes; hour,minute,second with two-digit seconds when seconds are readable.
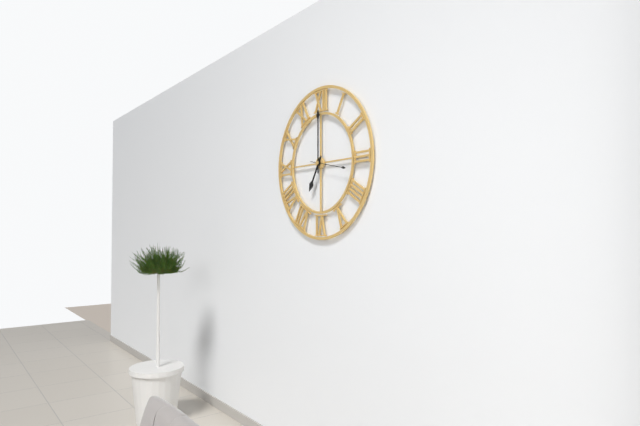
7,00
